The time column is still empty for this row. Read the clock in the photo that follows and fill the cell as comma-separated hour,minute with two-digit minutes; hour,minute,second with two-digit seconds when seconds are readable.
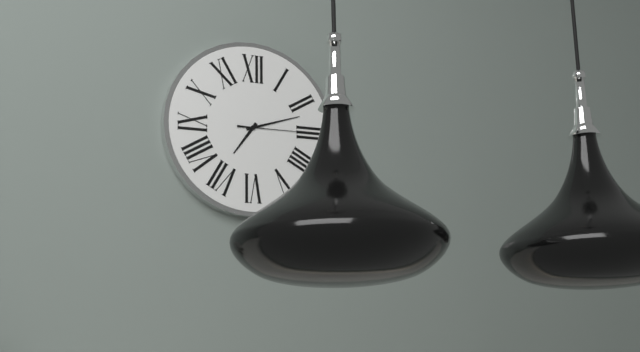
7,12,15
